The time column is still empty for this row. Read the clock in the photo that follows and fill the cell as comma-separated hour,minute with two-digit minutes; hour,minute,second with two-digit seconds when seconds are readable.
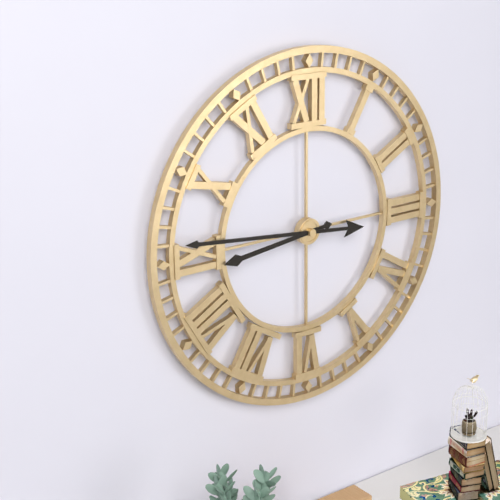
8,46
